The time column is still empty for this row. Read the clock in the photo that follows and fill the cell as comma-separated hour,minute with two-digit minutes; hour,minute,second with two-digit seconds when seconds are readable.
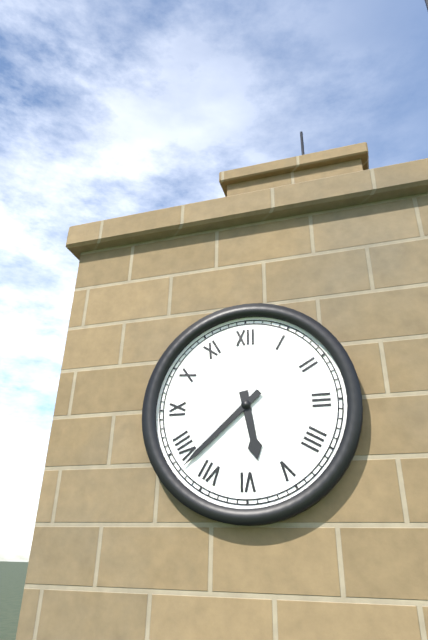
5,38
